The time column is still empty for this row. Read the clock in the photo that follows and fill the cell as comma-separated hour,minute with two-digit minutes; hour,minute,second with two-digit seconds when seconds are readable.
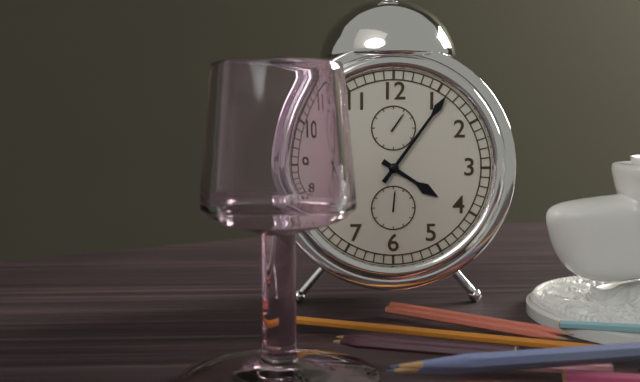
4,06
